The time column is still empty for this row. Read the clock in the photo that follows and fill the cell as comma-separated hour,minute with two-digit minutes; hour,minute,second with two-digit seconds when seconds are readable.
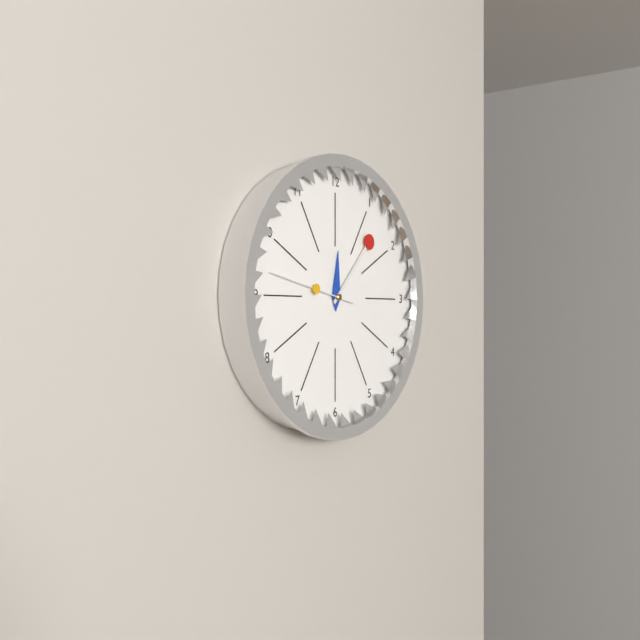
12,07,47
